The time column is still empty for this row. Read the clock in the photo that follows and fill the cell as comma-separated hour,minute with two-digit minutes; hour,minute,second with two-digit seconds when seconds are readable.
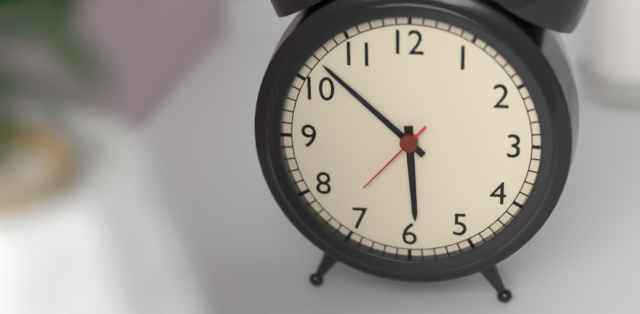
5,52,37
